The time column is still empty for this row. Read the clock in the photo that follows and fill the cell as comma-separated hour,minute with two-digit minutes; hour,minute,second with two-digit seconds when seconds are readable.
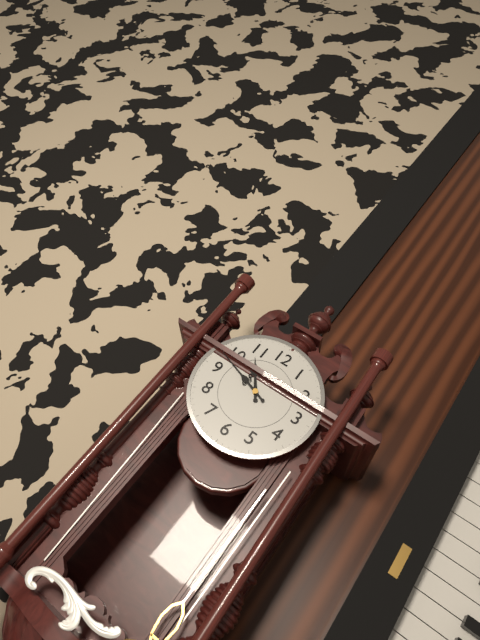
10,48
